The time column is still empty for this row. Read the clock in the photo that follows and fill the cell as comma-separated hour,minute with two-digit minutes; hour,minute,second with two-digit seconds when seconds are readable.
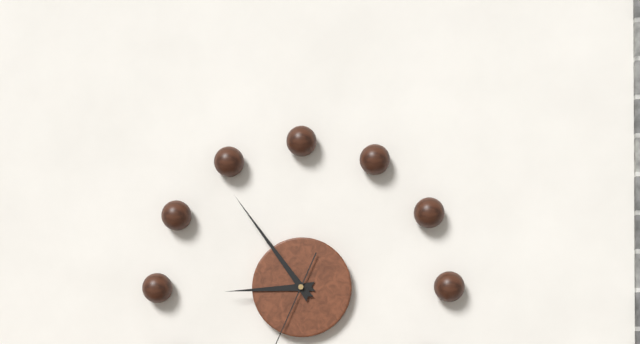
8,54
